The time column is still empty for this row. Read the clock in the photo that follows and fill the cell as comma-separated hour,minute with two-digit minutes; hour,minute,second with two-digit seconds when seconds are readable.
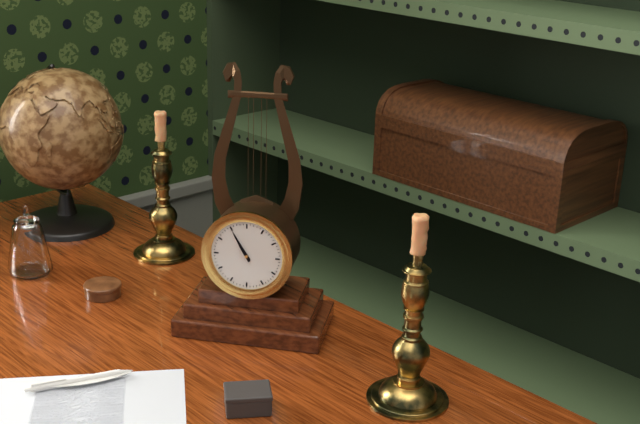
10,55
